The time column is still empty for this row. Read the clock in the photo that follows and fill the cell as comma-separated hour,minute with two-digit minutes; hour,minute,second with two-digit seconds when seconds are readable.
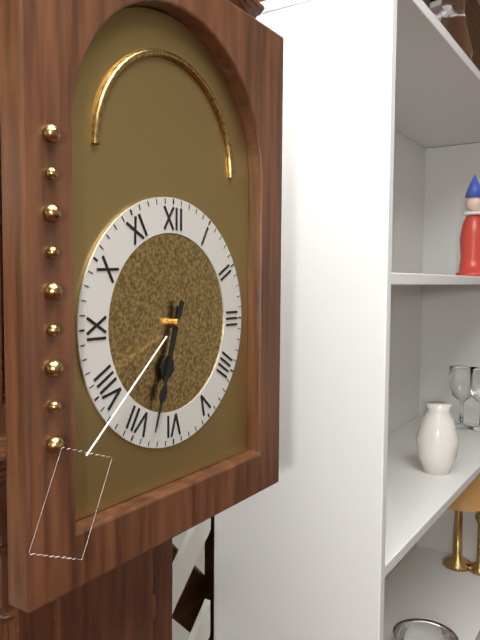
6,33
